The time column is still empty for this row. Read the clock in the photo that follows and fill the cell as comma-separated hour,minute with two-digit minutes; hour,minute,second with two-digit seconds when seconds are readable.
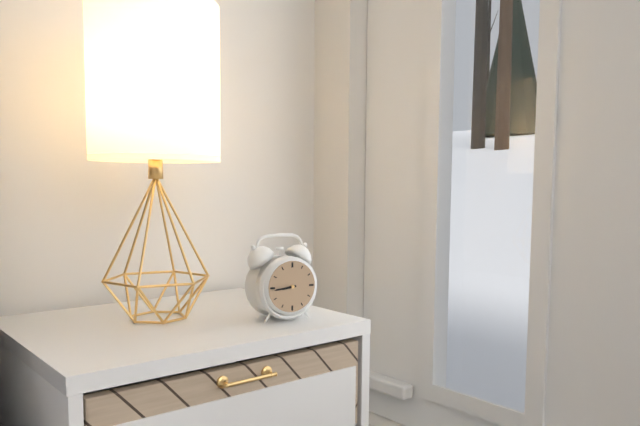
8,44
